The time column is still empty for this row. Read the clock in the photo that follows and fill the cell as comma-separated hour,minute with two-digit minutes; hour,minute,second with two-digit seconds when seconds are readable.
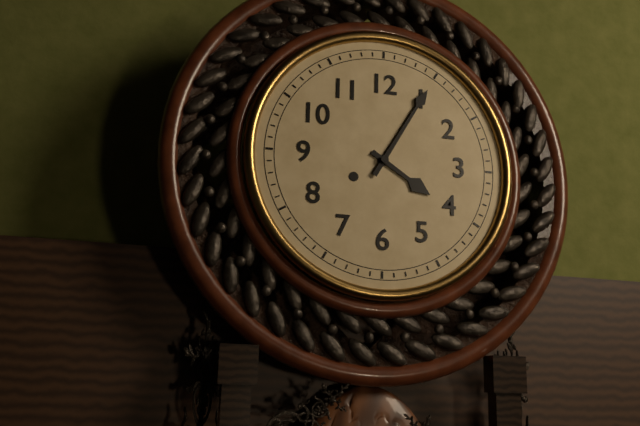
4,05
